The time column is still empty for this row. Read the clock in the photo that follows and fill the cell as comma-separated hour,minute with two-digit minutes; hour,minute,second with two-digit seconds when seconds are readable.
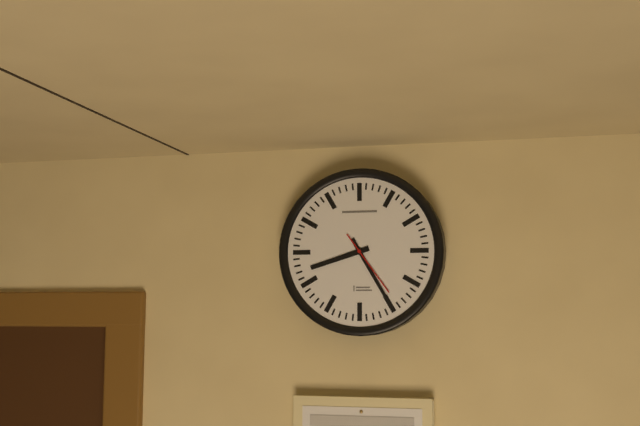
8,25,24
